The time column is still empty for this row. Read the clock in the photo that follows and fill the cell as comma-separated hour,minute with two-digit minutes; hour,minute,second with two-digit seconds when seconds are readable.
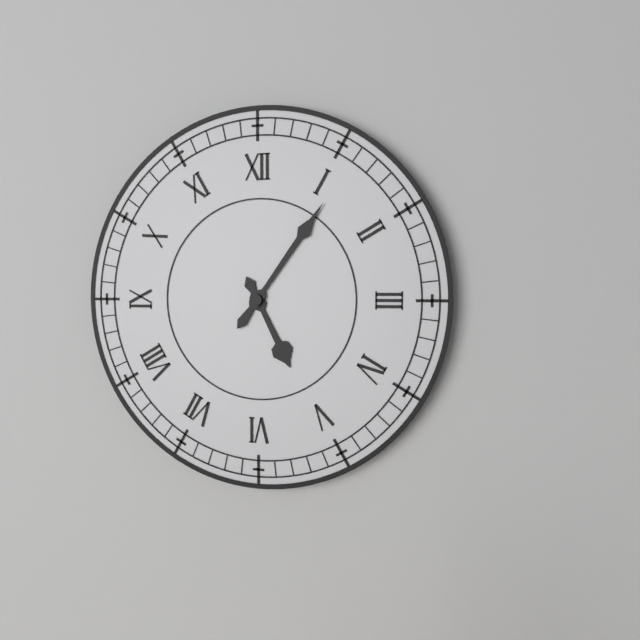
5,06
